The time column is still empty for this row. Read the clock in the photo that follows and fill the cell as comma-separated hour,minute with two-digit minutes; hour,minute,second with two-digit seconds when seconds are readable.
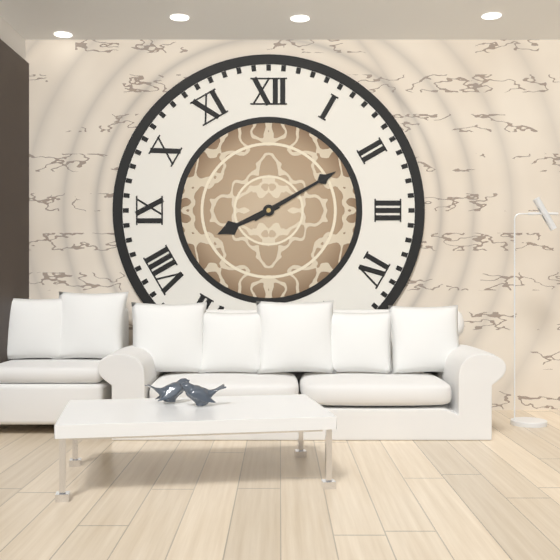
8,10
